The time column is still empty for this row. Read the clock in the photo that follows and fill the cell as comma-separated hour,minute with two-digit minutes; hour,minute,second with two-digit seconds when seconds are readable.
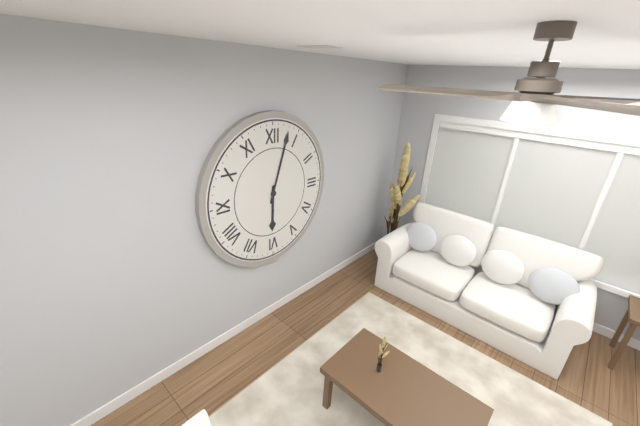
6,03
